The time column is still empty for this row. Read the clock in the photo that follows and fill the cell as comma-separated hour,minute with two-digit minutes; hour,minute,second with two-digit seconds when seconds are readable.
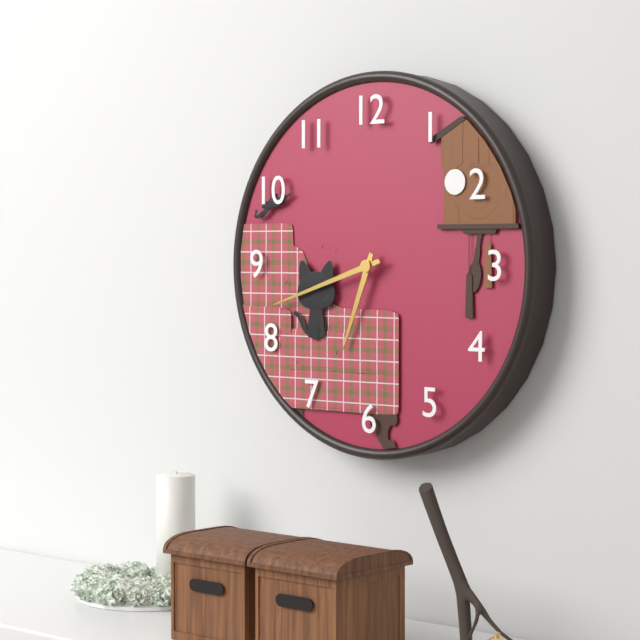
6,42
